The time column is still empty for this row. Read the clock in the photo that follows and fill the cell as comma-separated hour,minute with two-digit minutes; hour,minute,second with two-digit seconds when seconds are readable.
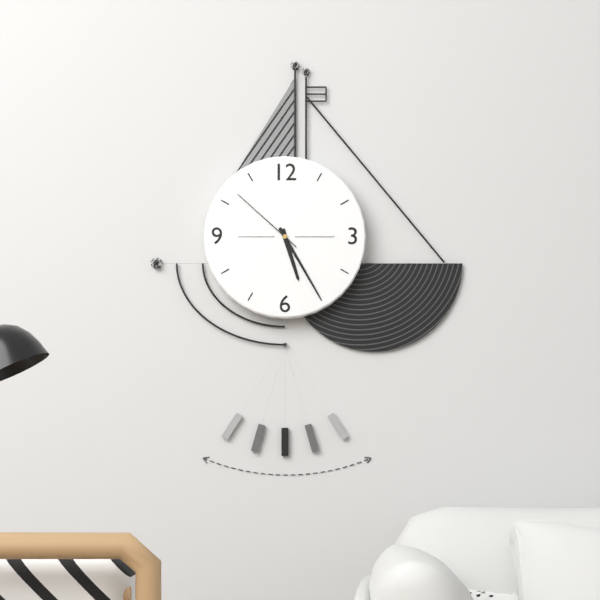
5,25,52
